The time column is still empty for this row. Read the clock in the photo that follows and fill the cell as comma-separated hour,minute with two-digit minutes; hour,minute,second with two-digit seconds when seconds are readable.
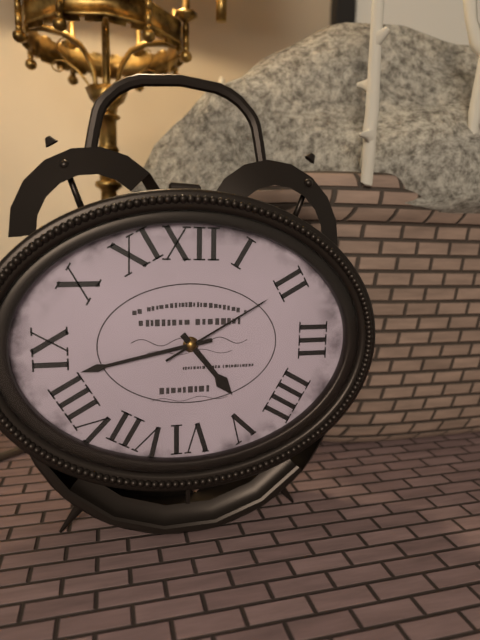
4,43,10
